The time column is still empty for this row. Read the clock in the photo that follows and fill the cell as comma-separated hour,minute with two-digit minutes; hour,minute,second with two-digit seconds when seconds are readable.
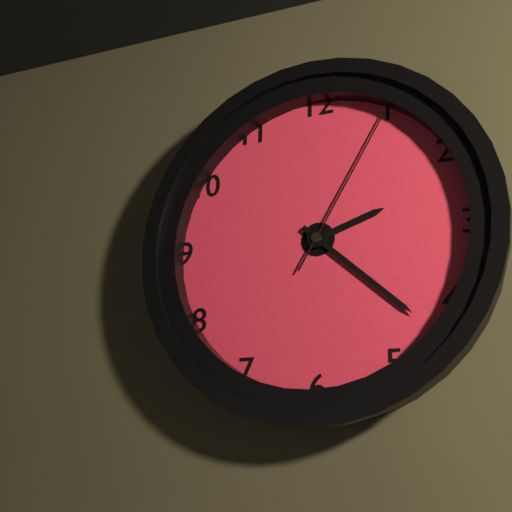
2,22,05
